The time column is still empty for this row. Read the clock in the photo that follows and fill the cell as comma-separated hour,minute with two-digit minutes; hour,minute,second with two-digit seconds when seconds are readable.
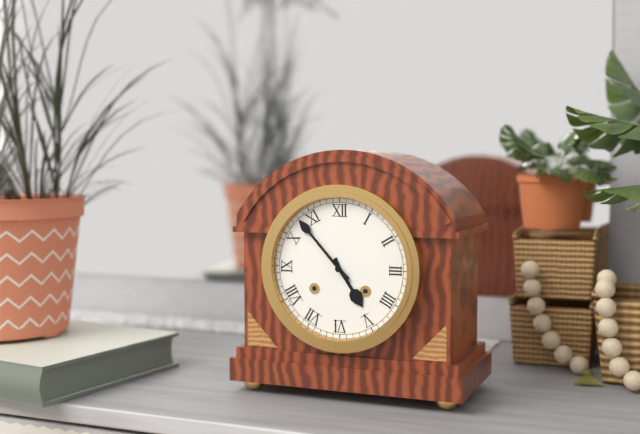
4,53
